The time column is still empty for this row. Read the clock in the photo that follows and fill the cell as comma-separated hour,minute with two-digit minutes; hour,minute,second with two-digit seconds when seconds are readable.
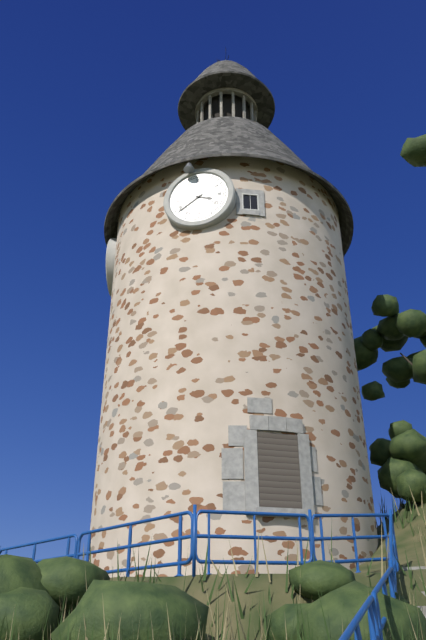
3,39
